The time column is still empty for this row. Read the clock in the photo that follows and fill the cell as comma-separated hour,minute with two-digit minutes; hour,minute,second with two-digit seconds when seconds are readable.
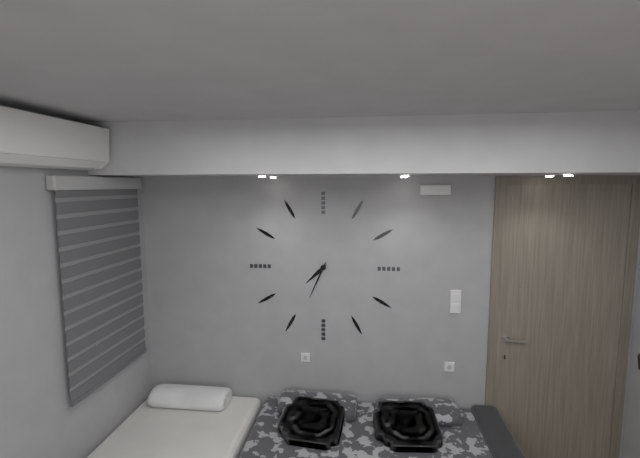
7,34
